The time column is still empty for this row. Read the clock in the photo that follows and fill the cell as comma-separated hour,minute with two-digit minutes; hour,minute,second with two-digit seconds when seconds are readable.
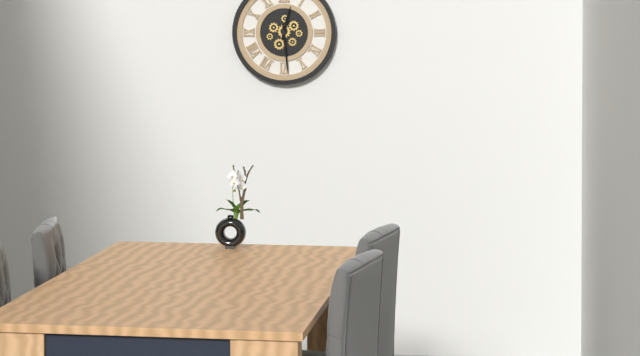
12,29
